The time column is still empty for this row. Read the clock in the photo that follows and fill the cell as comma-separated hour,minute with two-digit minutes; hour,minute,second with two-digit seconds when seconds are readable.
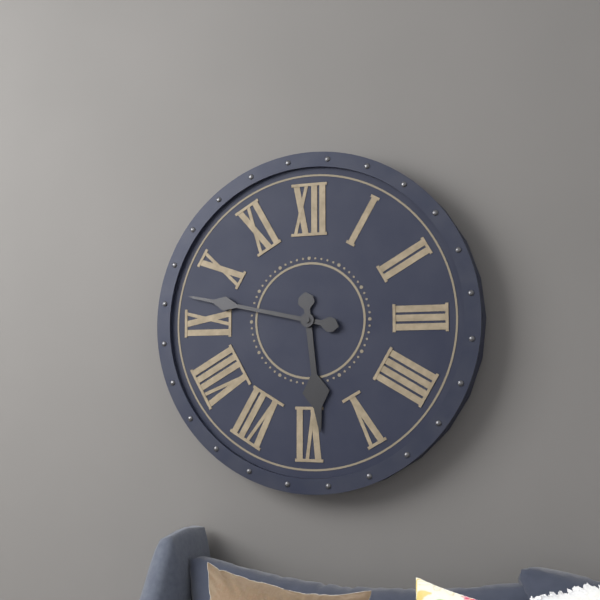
5,47
